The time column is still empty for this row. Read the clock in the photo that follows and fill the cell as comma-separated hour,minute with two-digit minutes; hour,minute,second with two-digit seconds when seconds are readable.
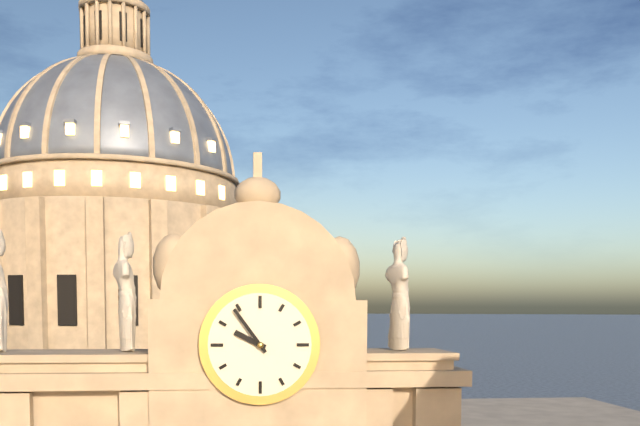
9,54
